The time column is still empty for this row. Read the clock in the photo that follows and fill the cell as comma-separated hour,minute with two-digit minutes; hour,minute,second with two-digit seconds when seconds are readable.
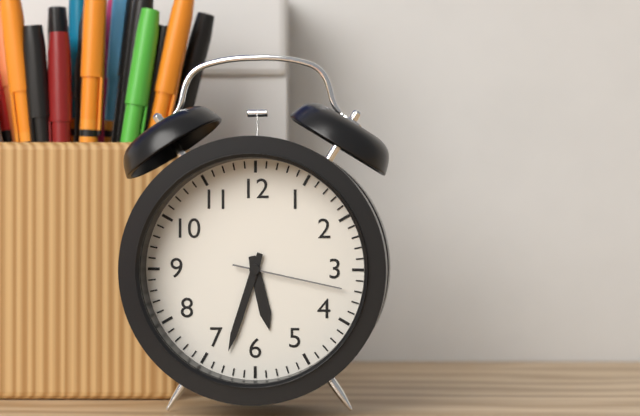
5,33,17
